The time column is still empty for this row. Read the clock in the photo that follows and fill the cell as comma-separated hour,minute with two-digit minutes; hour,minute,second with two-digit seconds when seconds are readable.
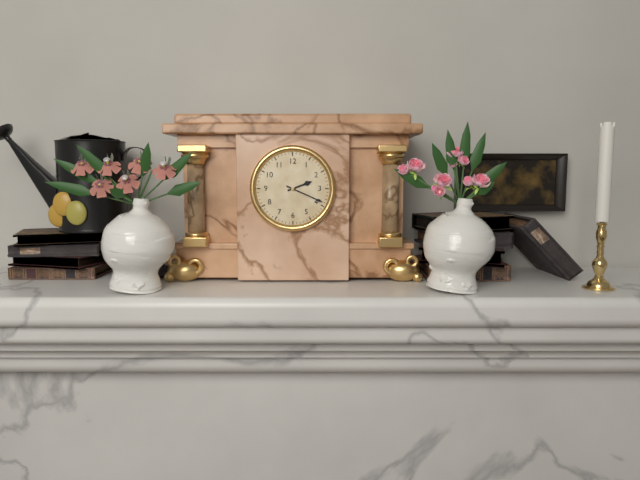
2,19
